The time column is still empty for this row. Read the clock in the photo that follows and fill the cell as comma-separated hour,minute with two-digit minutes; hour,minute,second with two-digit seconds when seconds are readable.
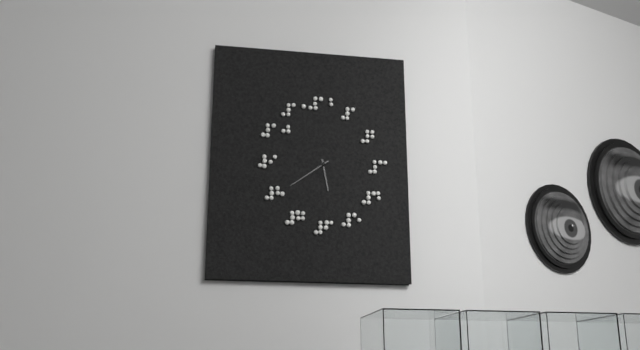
5,39
